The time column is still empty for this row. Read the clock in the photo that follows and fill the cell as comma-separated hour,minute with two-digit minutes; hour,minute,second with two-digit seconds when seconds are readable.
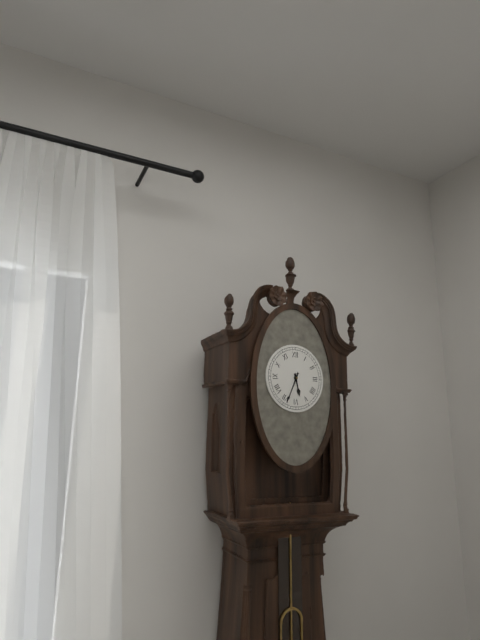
5,34
